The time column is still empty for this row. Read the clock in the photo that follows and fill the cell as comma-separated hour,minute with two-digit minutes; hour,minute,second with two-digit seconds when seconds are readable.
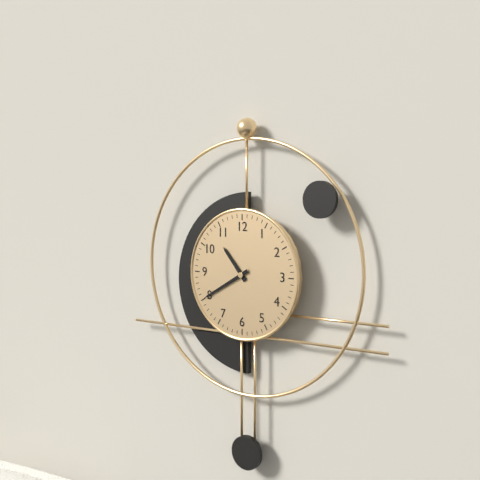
10,40
